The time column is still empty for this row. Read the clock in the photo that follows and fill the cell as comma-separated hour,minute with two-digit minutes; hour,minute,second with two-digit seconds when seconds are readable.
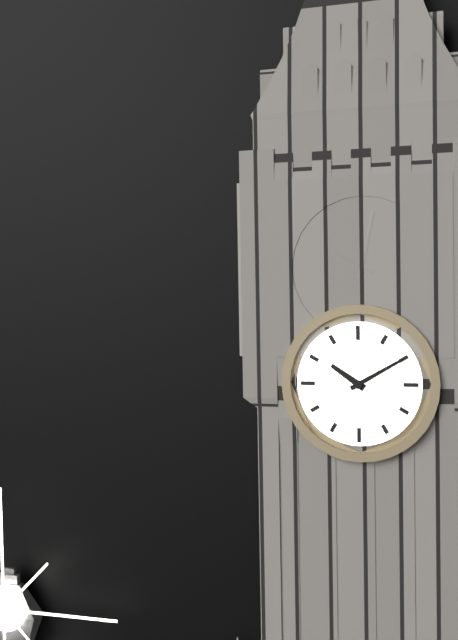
10,10
